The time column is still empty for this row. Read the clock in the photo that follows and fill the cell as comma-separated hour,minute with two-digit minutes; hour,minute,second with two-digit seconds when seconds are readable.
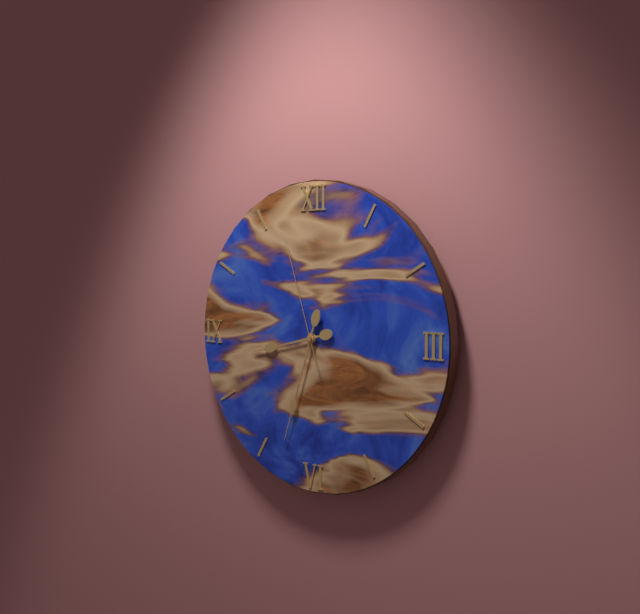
8,33,57
